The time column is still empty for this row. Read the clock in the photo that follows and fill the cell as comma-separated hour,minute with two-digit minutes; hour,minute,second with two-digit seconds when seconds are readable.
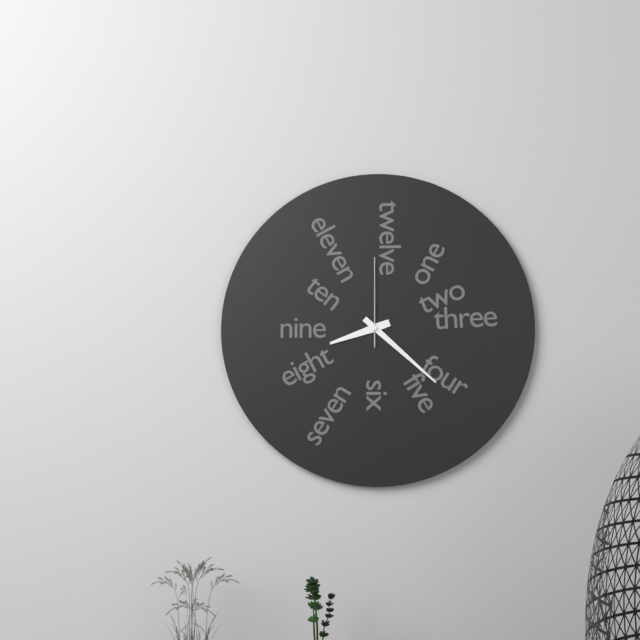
8,22,00
